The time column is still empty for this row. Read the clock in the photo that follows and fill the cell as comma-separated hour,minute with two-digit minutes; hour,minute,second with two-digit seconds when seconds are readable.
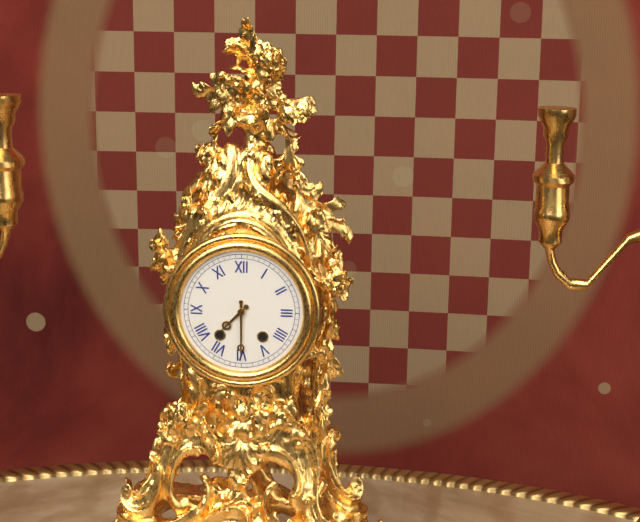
7,30
